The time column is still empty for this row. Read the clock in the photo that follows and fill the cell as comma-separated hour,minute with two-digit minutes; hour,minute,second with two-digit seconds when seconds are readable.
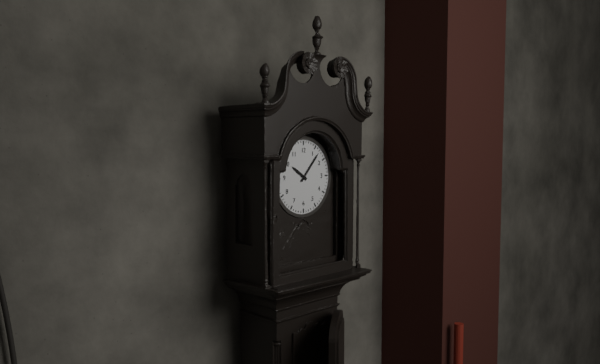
10,07
